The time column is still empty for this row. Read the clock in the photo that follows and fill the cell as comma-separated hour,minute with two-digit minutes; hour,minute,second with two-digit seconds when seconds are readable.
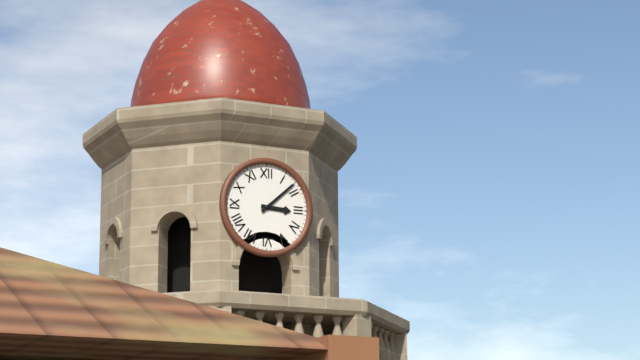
3,08
